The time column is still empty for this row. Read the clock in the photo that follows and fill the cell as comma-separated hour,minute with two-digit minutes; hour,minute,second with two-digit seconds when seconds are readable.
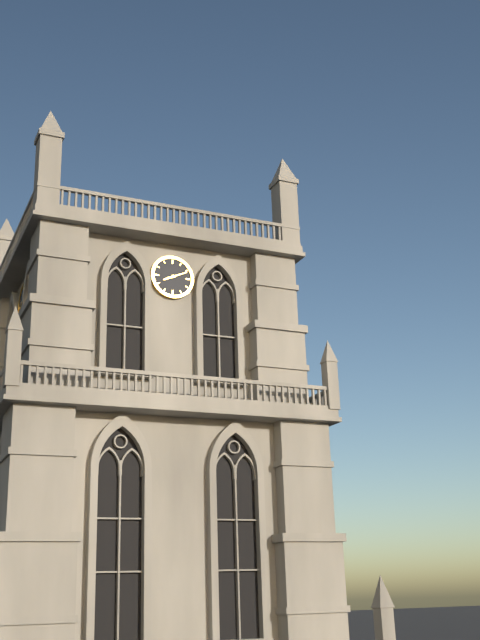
8,11
